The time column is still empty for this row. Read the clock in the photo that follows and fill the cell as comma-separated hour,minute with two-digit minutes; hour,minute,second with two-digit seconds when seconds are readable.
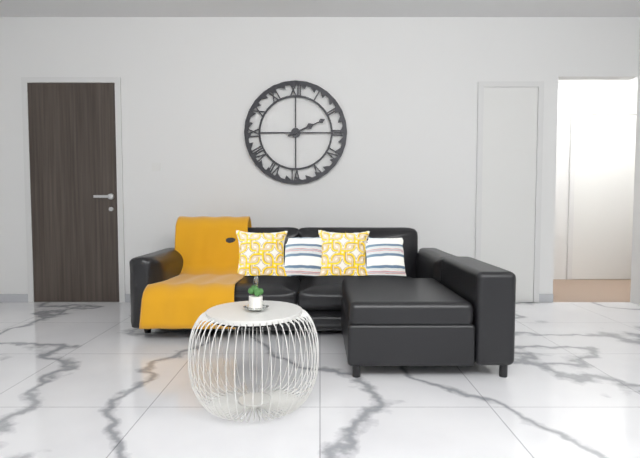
2,11
